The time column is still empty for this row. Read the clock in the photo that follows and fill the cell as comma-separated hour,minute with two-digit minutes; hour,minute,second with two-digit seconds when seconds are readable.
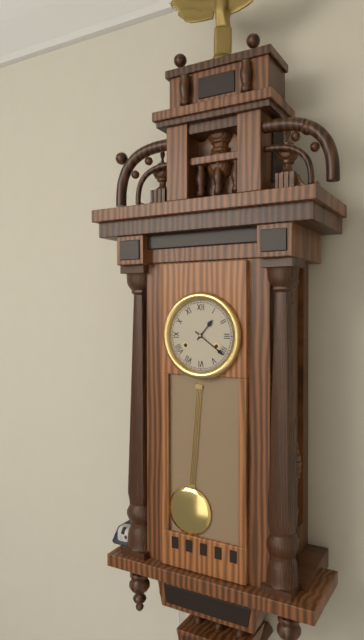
1,21
